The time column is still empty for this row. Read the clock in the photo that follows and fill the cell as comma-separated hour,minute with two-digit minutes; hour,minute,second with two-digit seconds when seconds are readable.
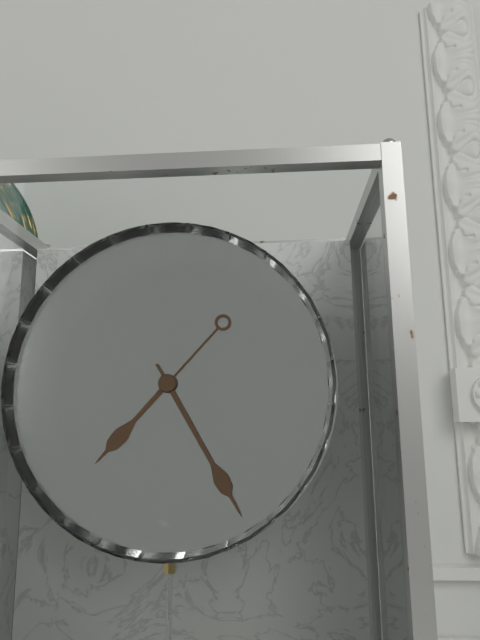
7,25
